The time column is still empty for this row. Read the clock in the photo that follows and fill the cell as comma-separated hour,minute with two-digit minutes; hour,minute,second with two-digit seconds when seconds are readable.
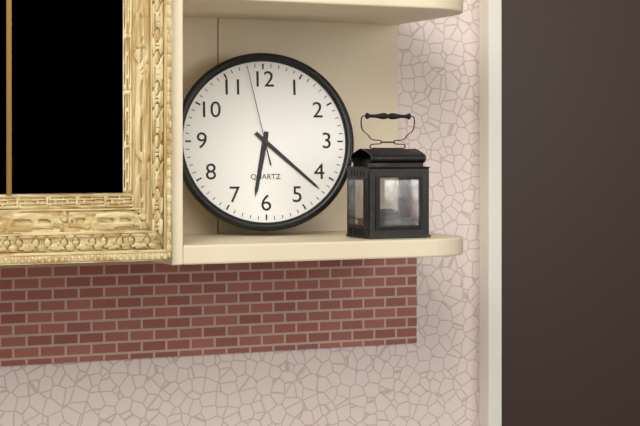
6,22,58
